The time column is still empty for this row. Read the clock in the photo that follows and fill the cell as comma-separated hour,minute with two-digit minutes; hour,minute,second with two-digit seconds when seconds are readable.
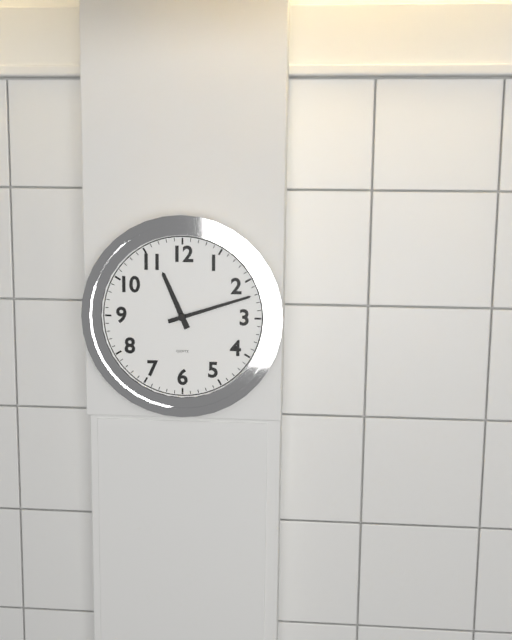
11,12
